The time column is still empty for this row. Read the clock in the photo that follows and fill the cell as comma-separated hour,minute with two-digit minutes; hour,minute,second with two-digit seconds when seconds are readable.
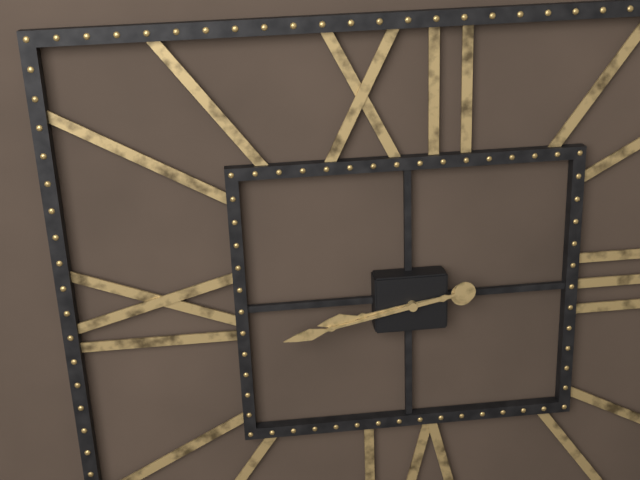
8,43
